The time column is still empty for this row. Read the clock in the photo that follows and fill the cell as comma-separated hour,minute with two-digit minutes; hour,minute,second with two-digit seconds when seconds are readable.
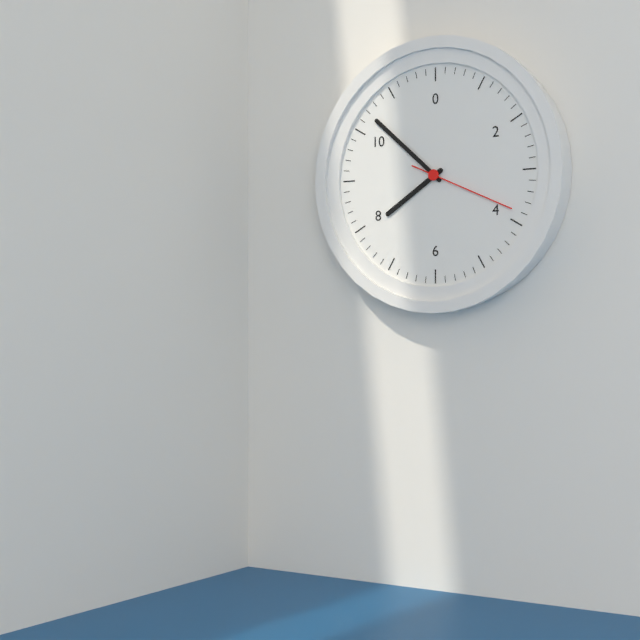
7,52,19
